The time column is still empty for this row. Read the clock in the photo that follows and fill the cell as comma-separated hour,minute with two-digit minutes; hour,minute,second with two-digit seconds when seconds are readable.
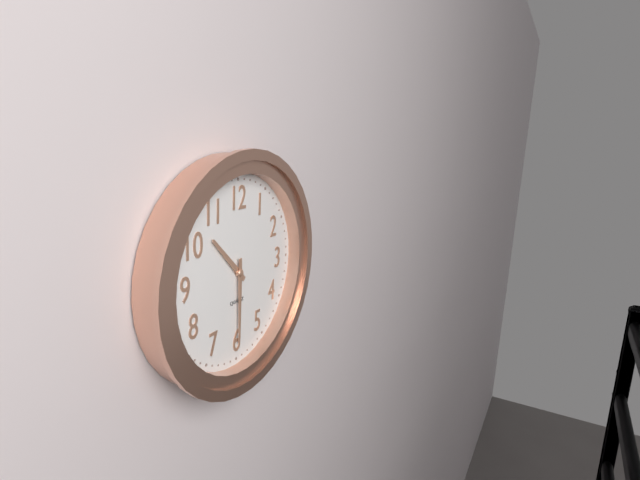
10,30
